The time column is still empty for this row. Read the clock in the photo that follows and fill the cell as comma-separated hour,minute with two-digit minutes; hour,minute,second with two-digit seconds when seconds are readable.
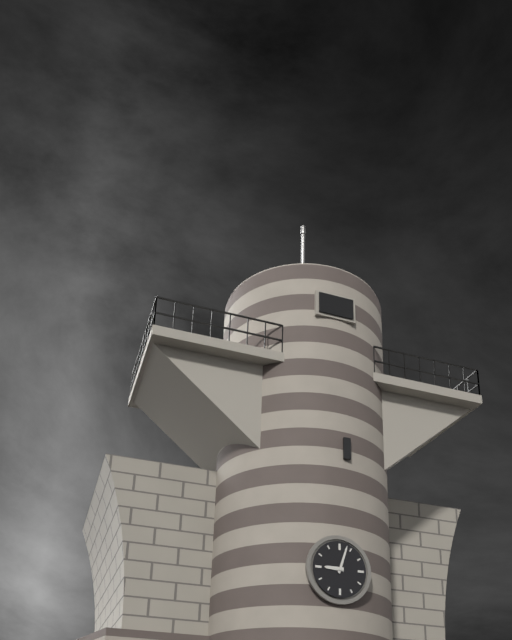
9,03
